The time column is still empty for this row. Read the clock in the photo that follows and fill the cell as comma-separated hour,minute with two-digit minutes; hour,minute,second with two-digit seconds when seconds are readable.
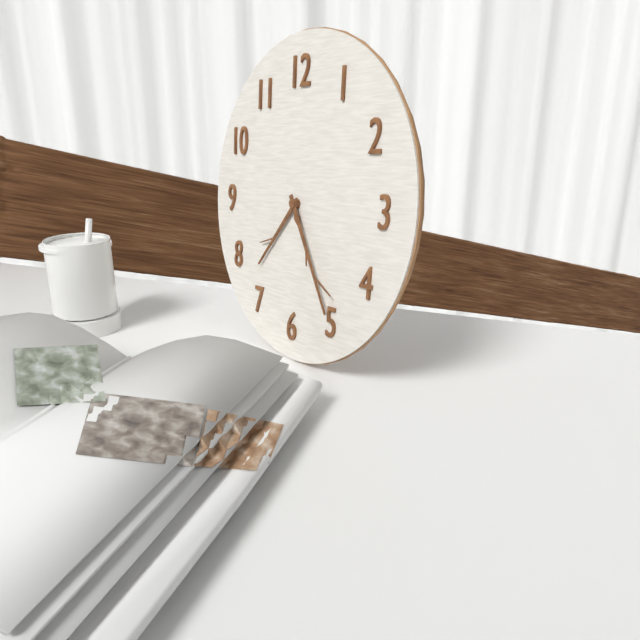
7,25
